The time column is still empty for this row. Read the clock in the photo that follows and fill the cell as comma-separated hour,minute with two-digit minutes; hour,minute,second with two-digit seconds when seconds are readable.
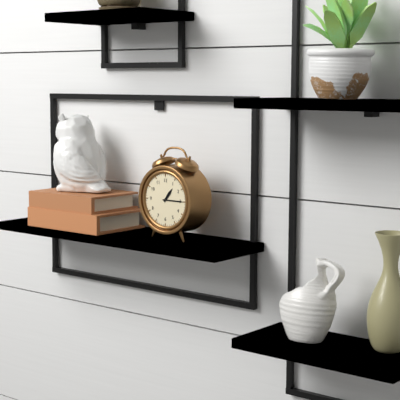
1,15
